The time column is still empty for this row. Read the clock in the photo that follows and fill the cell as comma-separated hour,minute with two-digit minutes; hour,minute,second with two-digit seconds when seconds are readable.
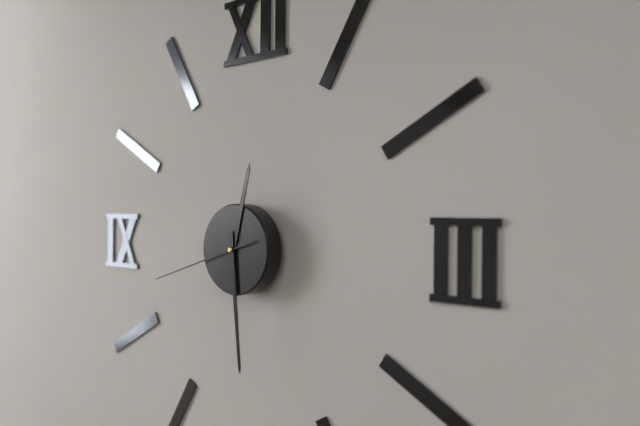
12,29,42
